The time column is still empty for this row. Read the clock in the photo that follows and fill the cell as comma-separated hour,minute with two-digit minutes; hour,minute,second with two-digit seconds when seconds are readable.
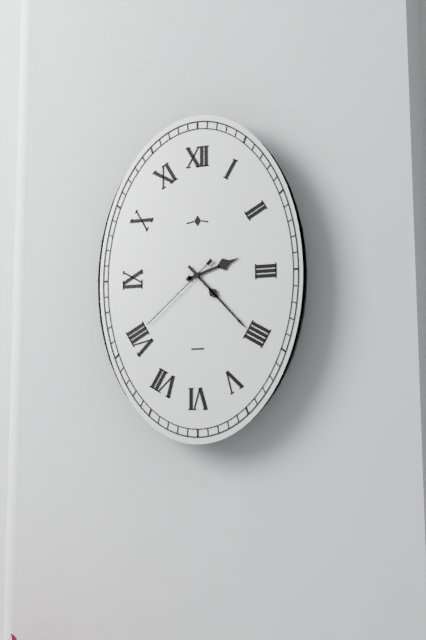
2,23,38
